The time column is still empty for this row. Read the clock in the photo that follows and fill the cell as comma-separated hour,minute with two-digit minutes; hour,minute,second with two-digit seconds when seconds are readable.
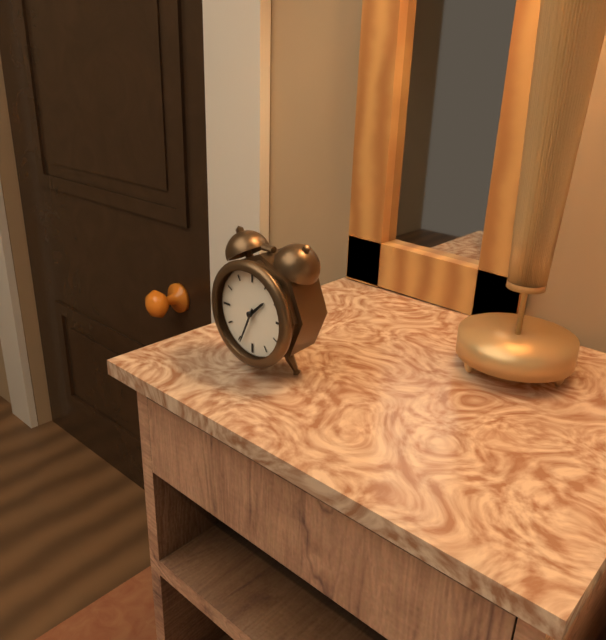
1,34
